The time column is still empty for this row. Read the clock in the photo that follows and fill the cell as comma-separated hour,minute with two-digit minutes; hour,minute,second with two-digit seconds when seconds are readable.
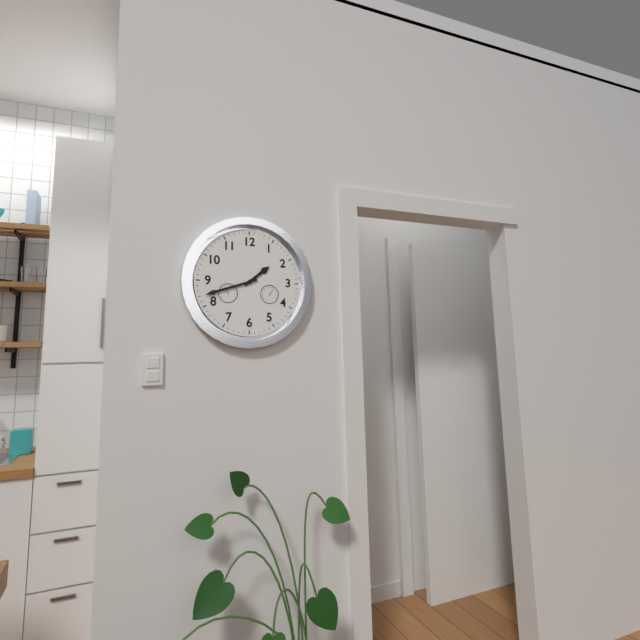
1,42
